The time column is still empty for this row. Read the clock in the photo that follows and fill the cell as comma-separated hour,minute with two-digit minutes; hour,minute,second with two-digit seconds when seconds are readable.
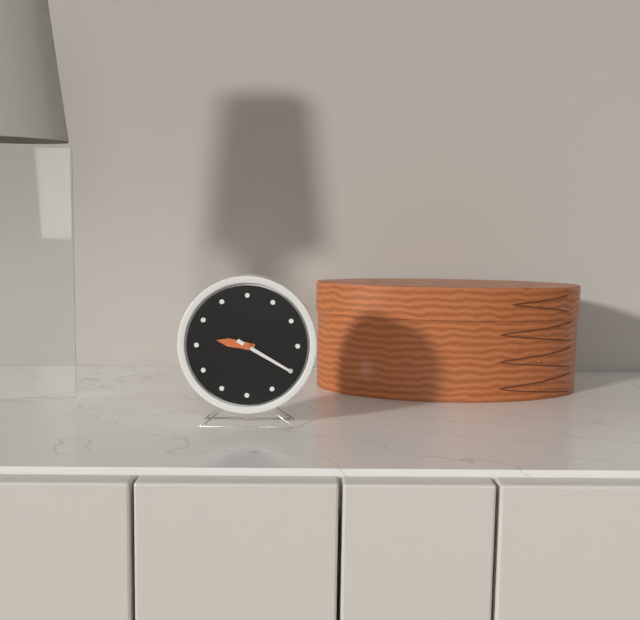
9,20
